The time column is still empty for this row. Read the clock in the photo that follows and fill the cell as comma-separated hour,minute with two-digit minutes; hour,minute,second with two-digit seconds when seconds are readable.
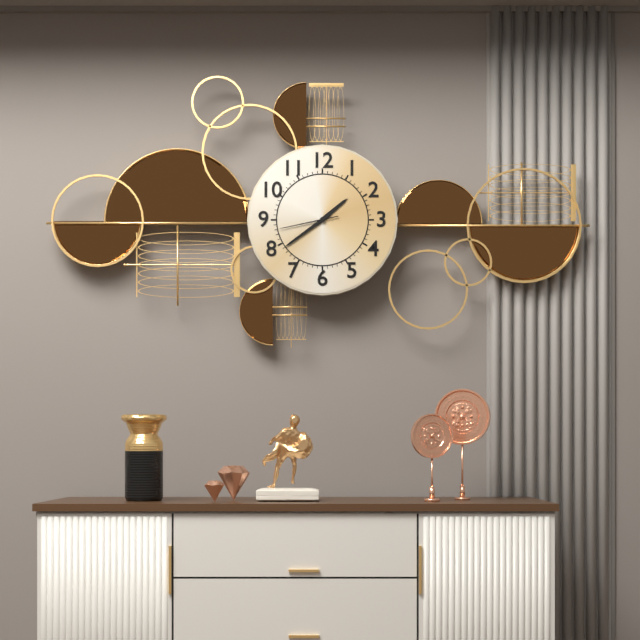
1,39,43
